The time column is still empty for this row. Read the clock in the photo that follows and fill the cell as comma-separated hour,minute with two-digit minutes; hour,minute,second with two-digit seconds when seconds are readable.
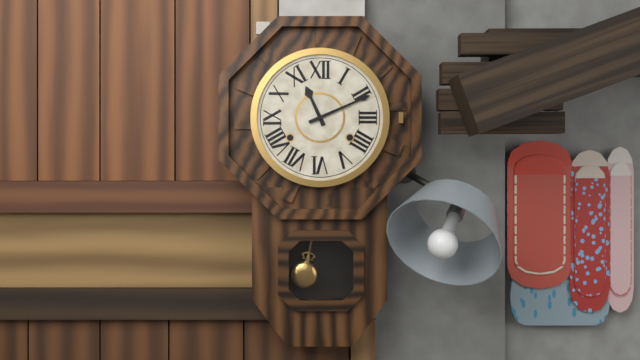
11,11
